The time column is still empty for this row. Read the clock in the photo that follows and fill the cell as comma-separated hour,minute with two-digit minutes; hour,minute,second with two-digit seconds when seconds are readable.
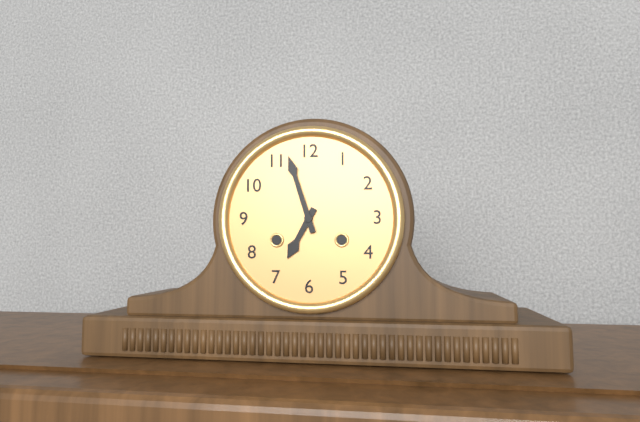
6,57
